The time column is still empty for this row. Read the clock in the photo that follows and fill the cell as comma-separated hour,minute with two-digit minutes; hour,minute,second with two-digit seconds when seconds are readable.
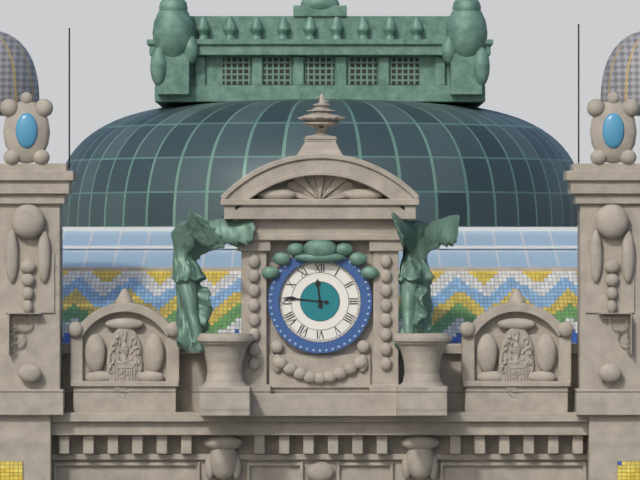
11,46
